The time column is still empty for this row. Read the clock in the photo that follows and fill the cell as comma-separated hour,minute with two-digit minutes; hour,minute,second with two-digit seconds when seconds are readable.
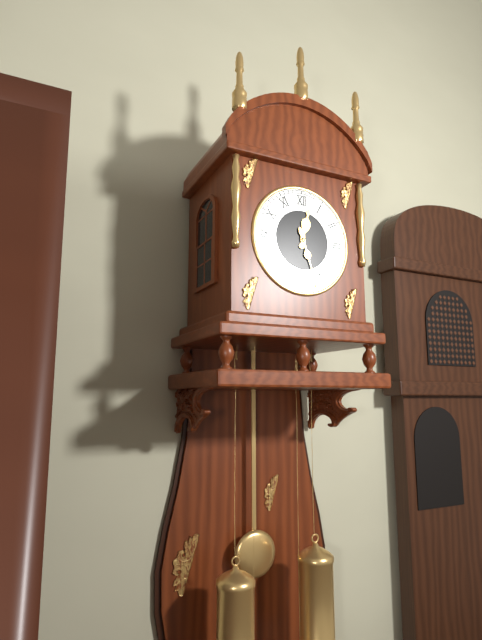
12,27
